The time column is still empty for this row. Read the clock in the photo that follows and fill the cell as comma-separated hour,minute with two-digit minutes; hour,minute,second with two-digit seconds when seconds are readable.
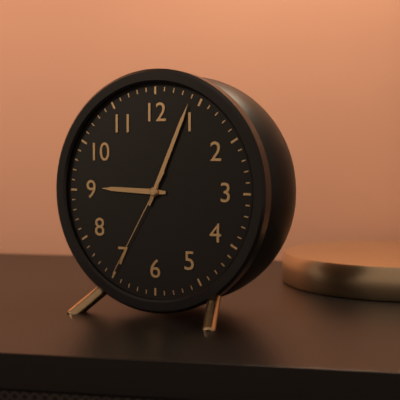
9,04,35
